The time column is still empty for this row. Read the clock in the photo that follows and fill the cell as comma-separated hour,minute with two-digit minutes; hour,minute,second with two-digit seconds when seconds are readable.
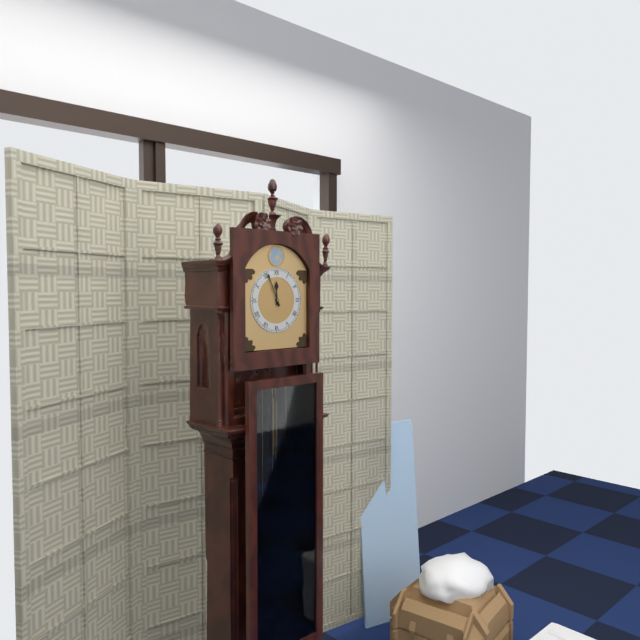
11,56
